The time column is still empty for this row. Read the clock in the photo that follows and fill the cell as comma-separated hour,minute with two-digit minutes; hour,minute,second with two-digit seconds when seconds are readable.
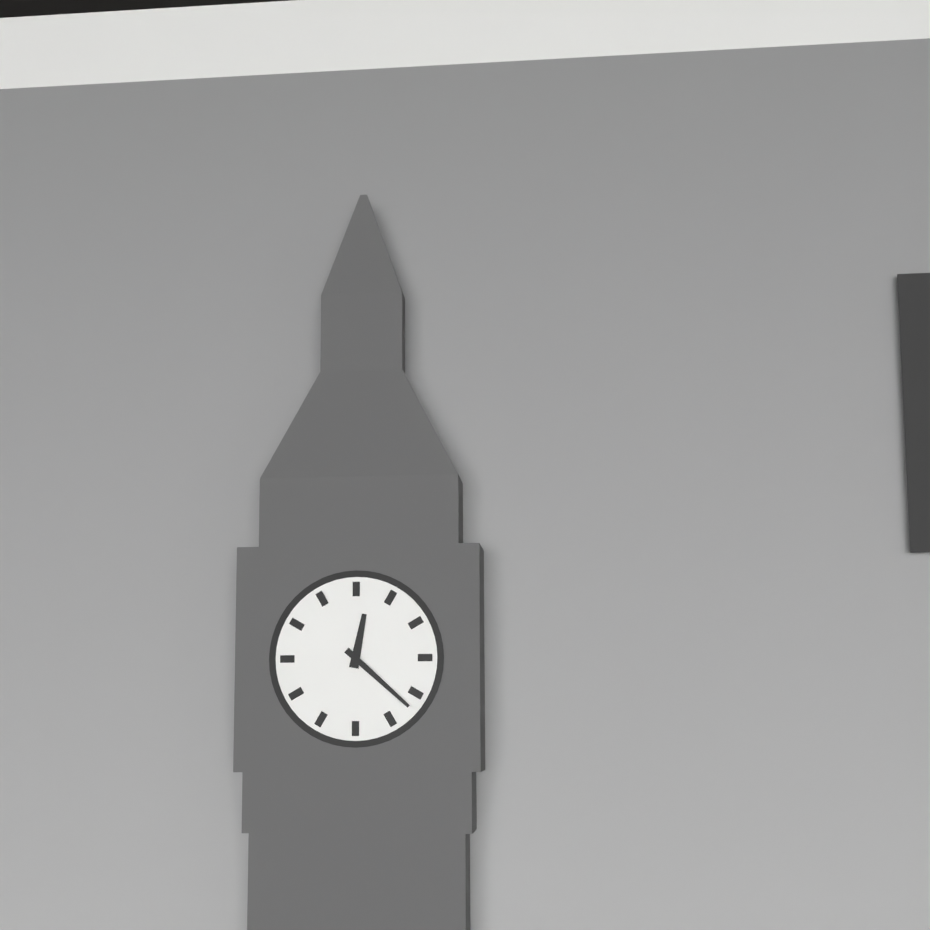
12,22
